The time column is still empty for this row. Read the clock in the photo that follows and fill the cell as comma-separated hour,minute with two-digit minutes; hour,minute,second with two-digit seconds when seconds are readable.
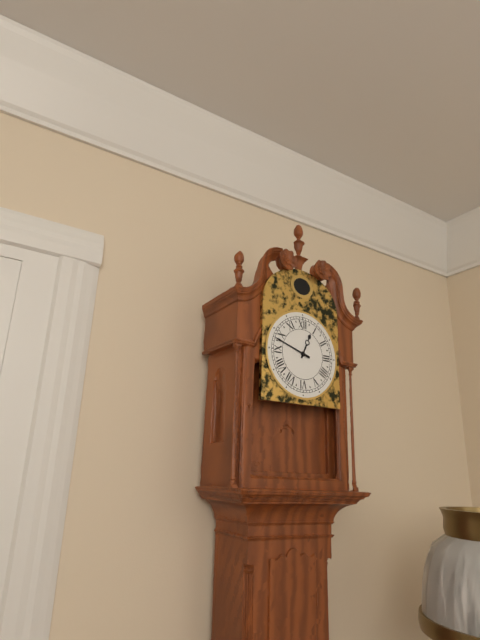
12,48
